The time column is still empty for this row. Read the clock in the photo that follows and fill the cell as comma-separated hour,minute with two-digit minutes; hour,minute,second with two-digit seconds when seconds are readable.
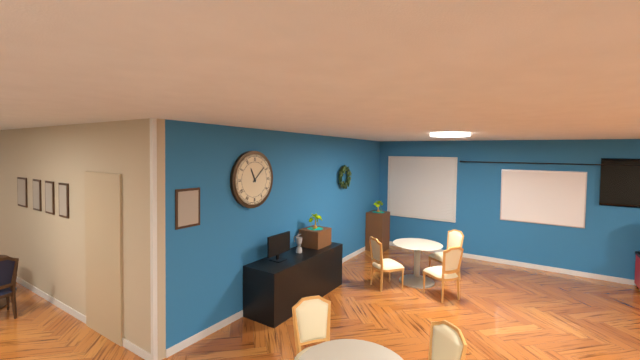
11,08
